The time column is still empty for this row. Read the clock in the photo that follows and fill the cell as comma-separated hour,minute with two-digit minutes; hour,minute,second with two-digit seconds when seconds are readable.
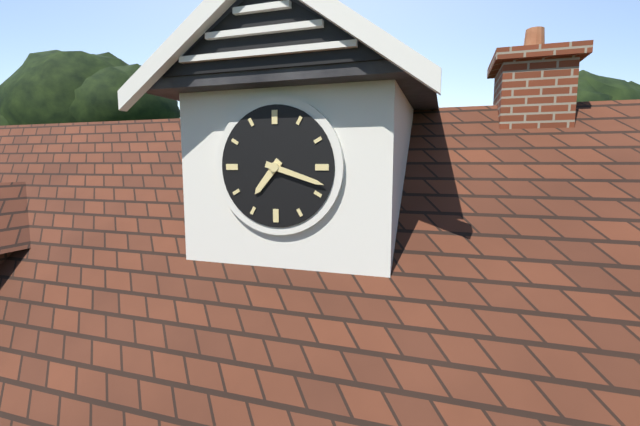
7,18
